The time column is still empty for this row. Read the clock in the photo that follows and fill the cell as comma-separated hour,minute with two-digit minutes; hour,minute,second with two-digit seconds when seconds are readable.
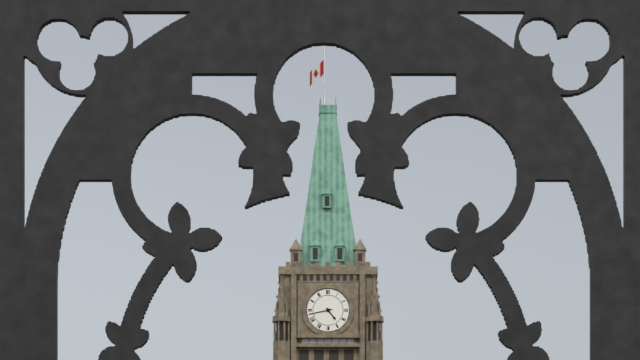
4,43
